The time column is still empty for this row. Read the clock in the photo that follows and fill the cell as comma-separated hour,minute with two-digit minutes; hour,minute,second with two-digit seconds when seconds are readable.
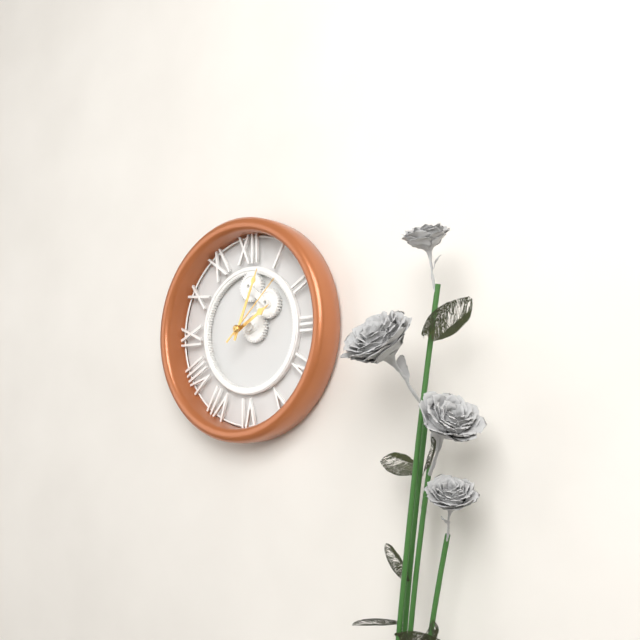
2,04,08
